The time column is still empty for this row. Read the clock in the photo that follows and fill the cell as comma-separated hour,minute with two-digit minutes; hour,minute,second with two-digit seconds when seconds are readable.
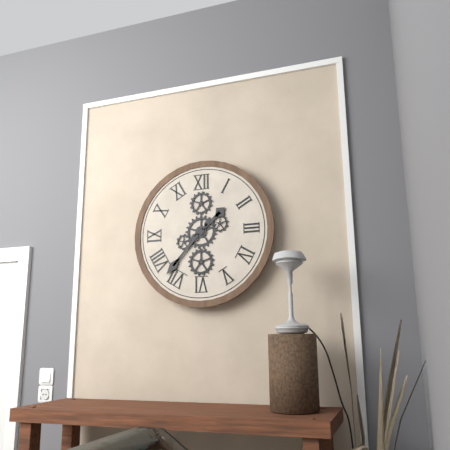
1,37
